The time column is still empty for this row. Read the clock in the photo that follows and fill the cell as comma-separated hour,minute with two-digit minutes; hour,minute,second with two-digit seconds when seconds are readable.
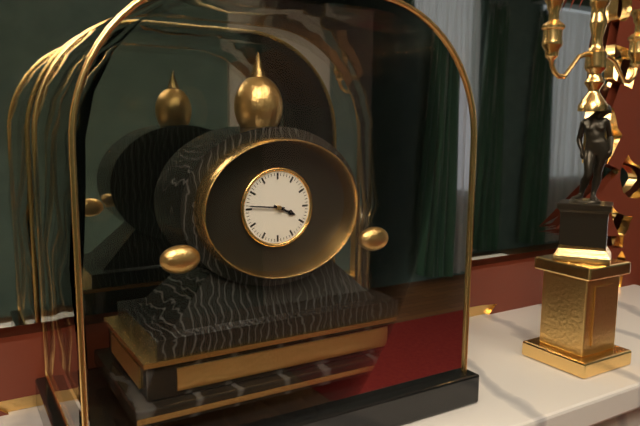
3,46
